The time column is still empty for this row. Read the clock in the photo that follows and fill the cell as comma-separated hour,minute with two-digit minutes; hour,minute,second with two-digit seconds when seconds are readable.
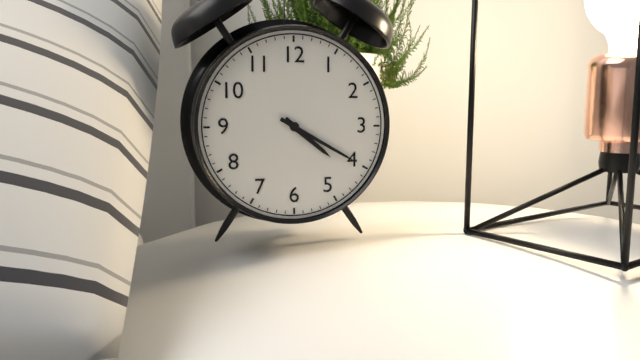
4,20
